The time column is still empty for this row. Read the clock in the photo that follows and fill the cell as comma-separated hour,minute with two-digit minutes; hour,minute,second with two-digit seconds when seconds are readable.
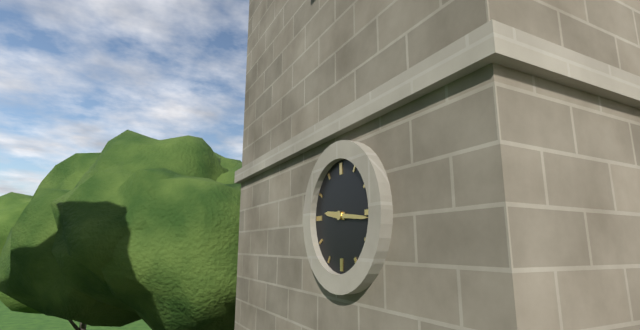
9,16
